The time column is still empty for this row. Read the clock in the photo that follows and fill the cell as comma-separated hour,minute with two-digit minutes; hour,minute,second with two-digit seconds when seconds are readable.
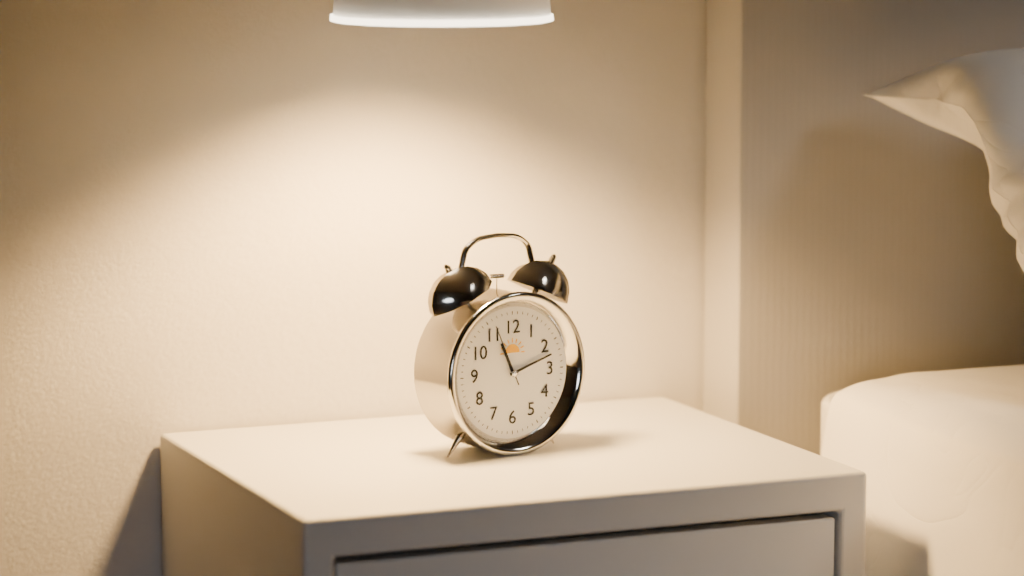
11,12,56
